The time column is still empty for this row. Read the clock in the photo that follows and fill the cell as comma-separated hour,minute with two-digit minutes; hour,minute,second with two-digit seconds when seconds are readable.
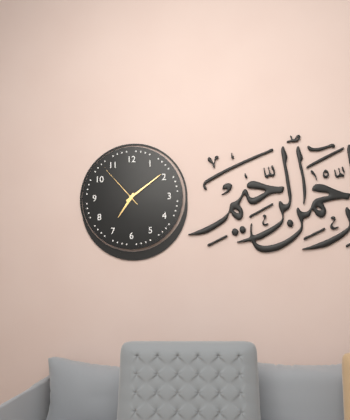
7,09,53
